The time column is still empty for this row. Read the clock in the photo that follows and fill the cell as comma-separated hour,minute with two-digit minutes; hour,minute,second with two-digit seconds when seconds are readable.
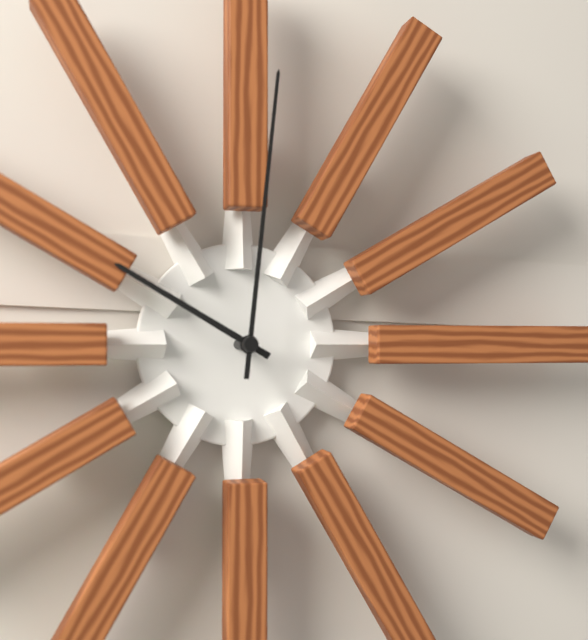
10,01
